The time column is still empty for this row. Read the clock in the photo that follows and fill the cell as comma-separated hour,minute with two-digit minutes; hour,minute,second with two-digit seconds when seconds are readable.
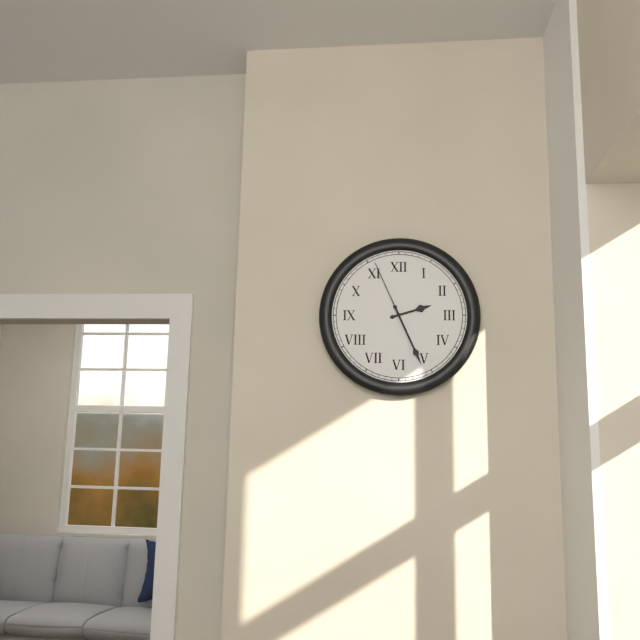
2,26,56
